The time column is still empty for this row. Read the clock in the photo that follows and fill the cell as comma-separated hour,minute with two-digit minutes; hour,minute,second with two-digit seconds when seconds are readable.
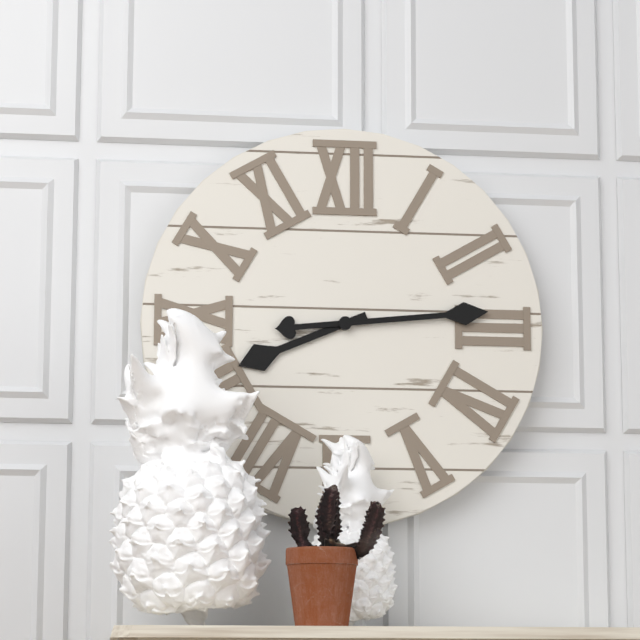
8,14
